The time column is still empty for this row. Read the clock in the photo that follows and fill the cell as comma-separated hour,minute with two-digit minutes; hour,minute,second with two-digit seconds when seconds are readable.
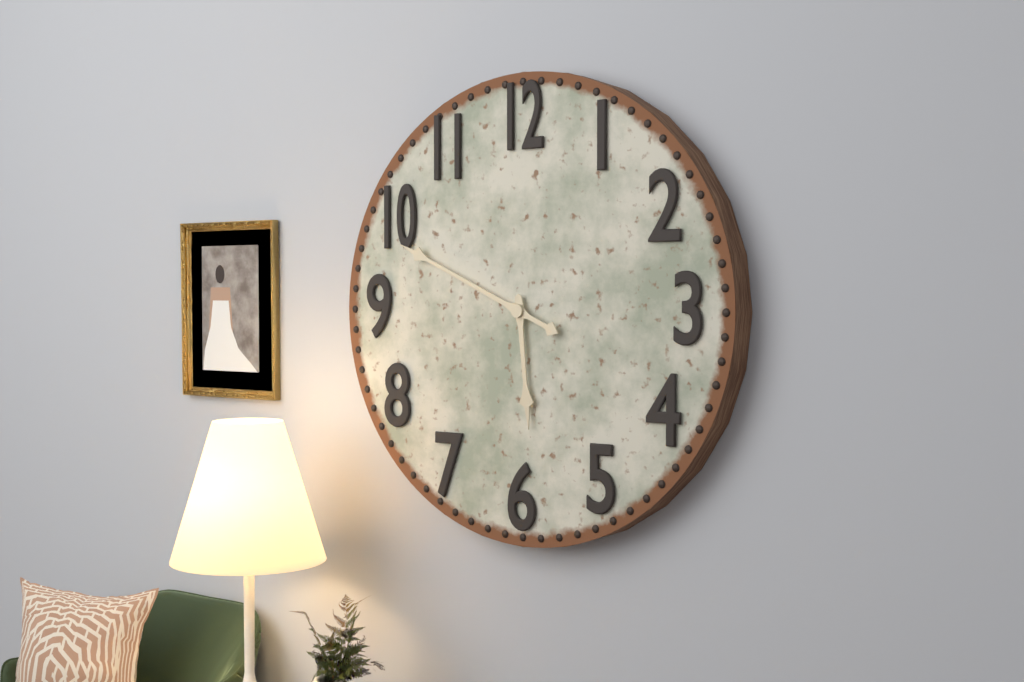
5,49
